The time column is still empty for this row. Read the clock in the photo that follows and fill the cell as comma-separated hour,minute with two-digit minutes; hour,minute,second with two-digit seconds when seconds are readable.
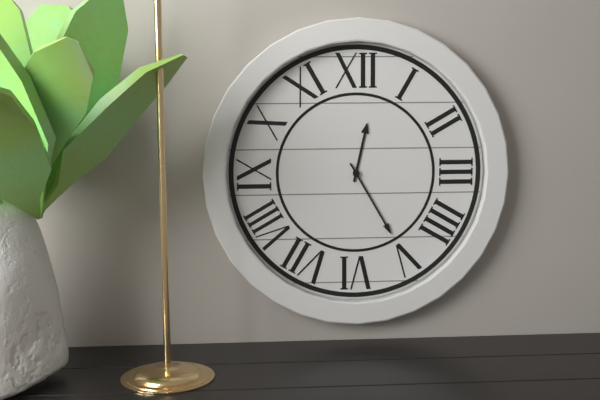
12,25
